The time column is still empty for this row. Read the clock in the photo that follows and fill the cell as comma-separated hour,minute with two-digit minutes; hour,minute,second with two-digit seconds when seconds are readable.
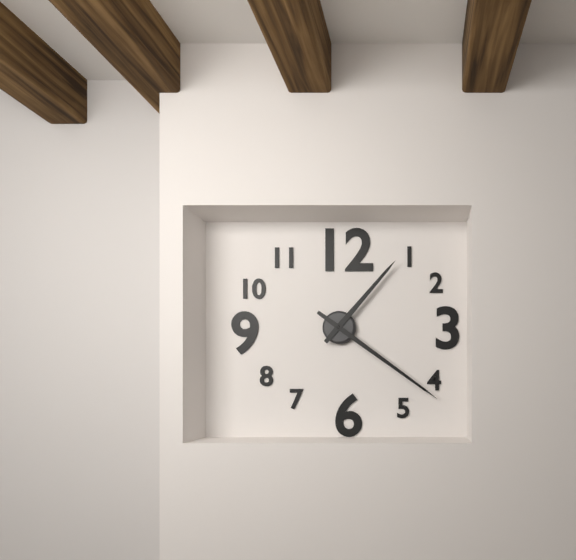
1,21
